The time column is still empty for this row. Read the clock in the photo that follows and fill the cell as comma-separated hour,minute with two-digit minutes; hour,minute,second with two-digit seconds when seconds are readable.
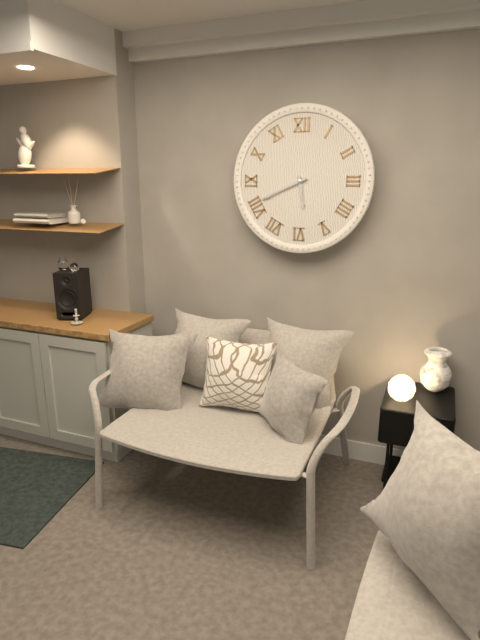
5,41
